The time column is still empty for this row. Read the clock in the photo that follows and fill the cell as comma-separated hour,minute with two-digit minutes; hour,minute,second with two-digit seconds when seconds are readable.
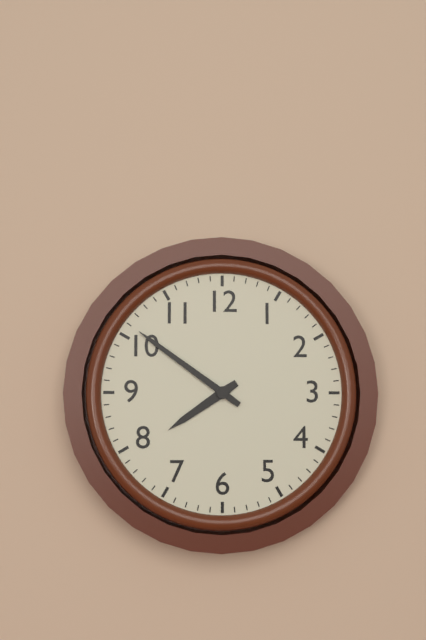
7,51
